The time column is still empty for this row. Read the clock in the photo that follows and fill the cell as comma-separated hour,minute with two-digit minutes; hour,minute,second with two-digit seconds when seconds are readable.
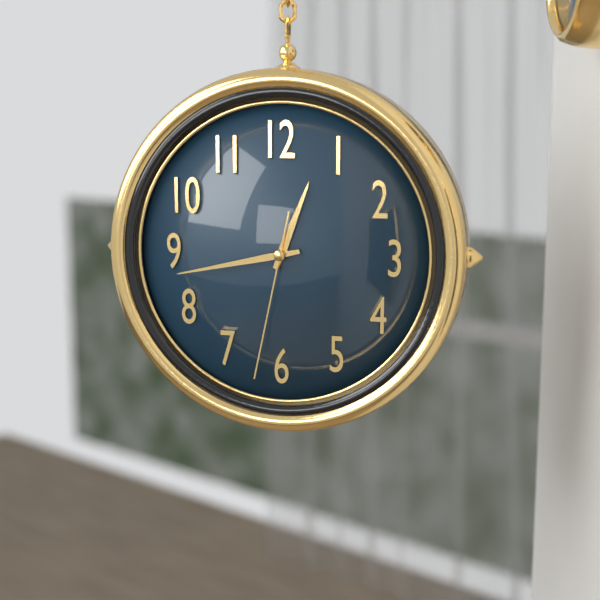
12,43,32
